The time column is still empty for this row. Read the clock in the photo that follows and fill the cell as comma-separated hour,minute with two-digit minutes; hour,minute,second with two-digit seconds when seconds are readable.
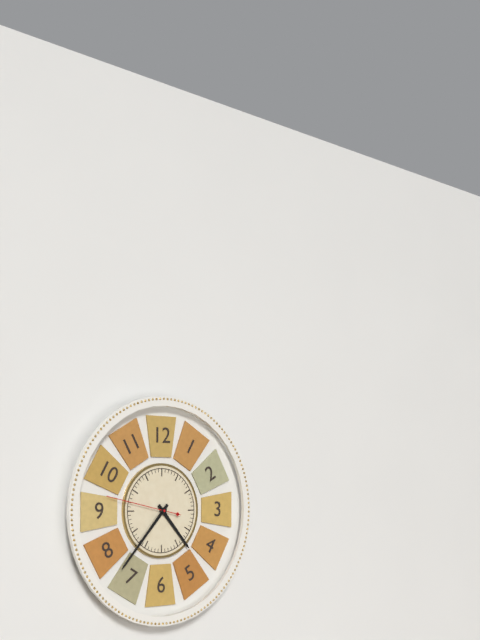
4,37,47
